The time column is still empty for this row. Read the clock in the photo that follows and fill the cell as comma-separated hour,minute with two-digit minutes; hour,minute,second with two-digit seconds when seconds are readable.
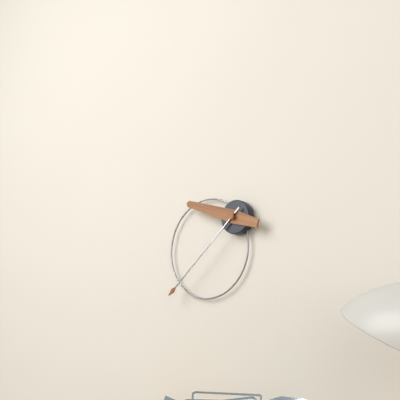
9,38
